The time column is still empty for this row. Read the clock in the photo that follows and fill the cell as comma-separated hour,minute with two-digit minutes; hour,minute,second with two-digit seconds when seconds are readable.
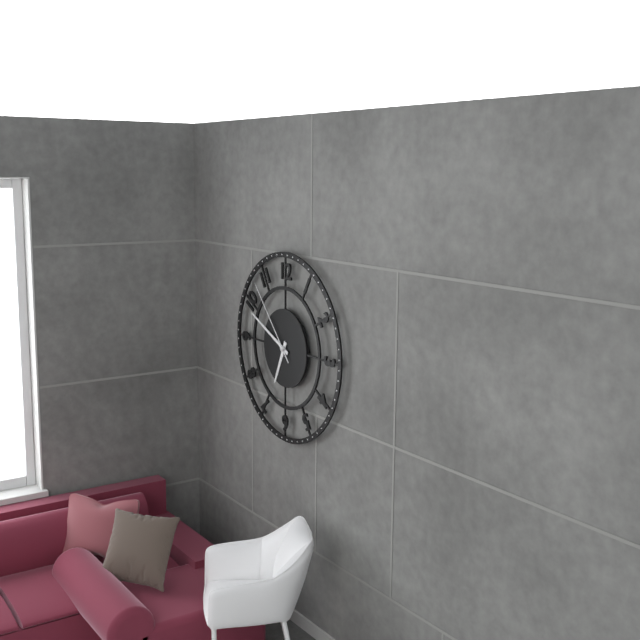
6,49,53
